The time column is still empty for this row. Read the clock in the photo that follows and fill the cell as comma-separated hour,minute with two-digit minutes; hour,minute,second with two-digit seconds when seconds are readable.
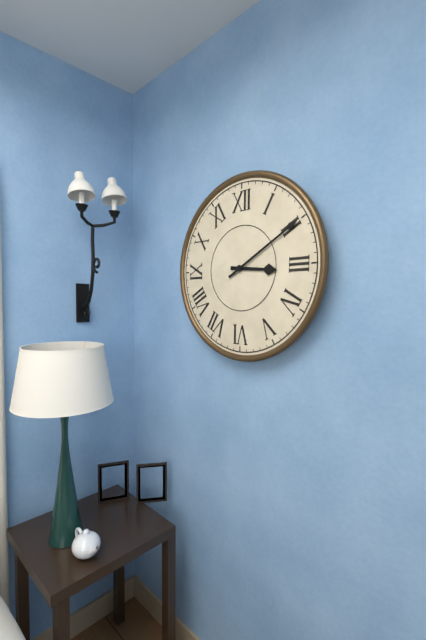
3,10
